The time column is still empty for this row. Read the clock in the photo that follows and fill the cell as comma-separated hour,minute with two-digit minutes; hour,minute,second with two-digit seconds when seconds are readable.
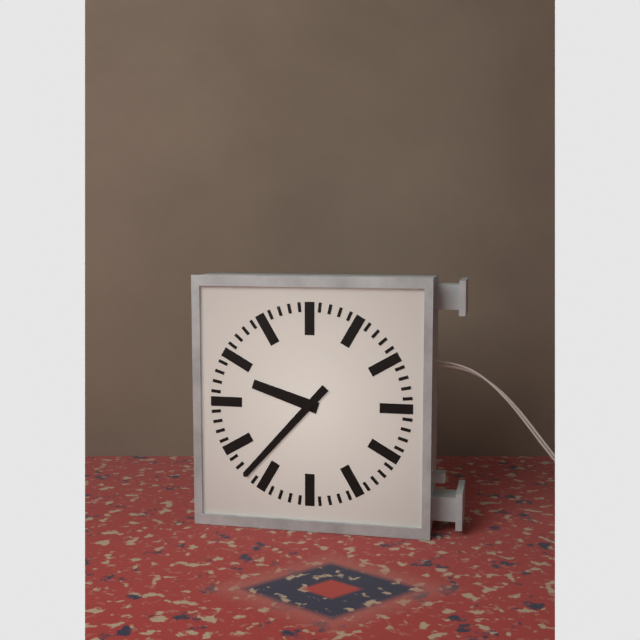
9,37
